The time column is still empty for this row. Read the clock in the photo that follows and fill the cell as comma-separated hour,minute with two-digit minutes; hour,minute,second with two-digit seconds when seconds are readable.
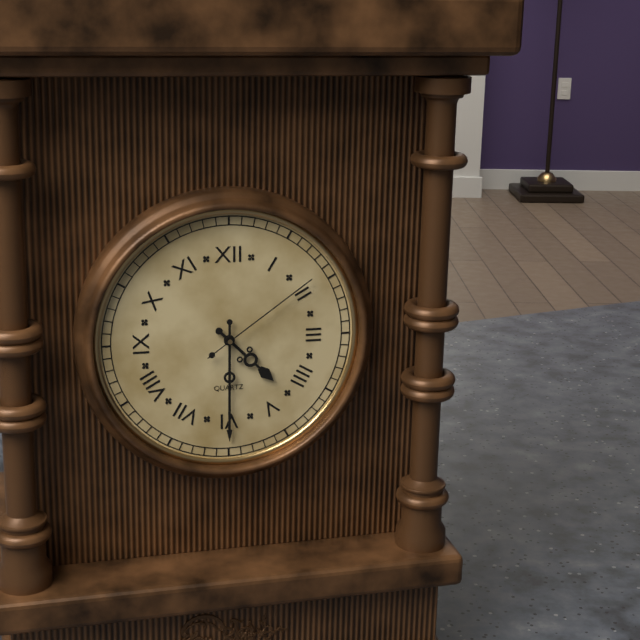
4,30,09
